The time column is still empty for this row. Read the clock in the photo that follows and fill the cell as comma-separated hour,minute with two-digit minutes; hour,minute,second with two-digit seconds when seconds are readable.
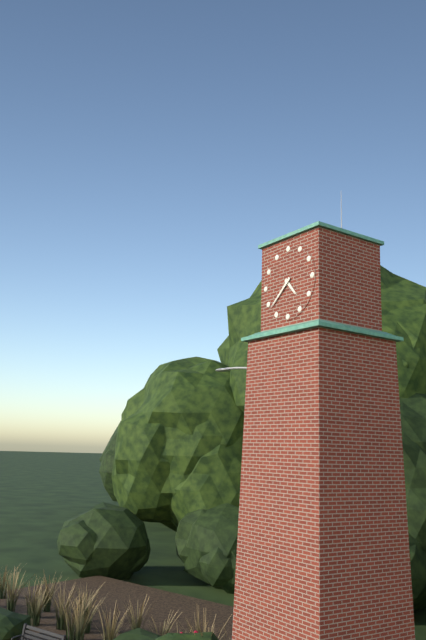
4,38
